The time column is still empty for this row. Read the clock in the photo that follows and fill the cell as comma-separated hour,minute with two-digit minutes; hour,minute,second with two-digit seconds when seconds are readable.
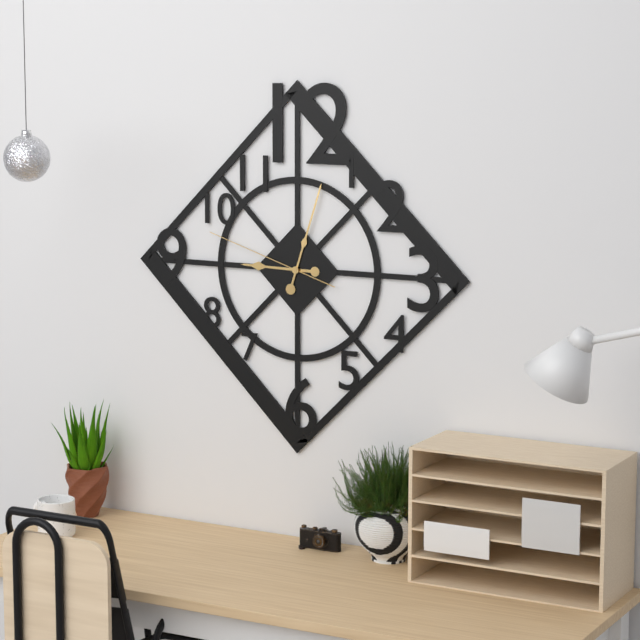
9,03,48
